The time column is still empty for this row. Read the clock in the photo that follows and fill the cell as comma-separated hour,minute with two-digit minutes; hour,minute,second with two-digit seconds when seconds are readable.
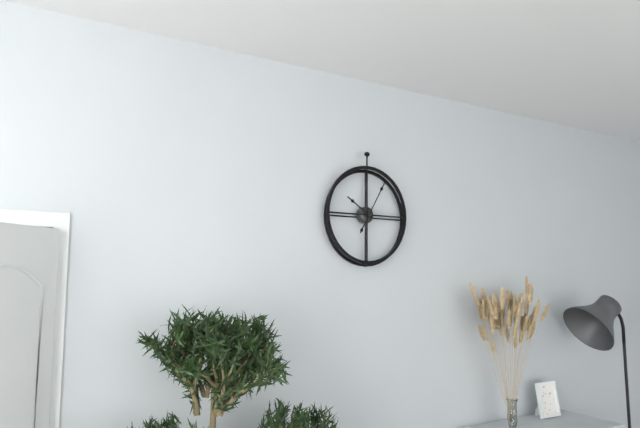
10,05
